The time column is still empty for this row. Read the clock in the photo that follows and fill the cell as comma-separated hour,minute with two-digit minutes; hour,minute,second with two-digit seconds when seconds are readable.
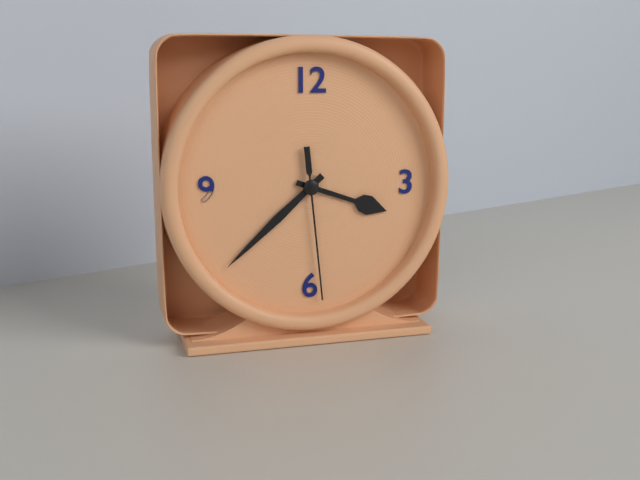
3,38,29
